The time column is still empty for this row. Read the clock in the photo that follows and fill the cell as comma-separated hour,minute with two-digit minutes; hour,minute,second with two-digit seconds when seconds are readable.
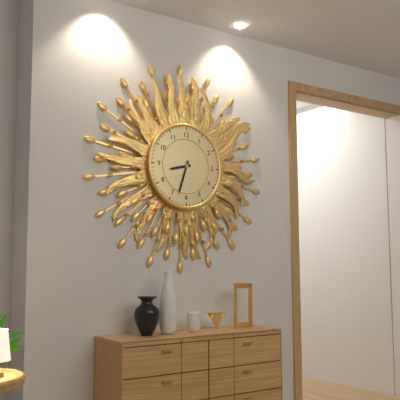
8,33
